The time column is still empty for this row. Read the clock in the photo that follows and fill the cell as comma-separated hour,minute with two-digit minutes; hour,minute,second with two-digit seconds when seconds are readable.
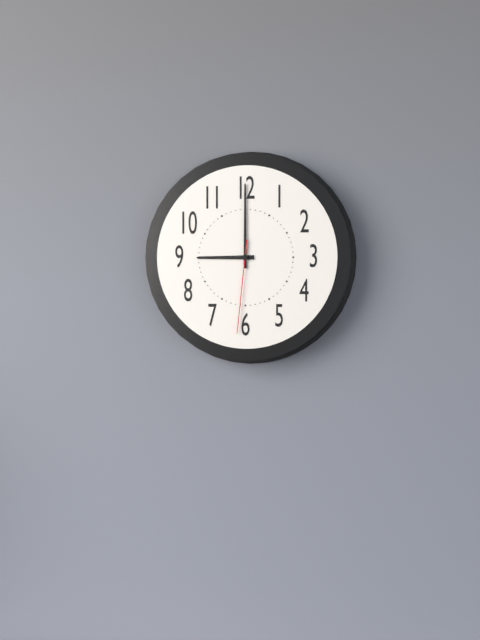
9,00,31
